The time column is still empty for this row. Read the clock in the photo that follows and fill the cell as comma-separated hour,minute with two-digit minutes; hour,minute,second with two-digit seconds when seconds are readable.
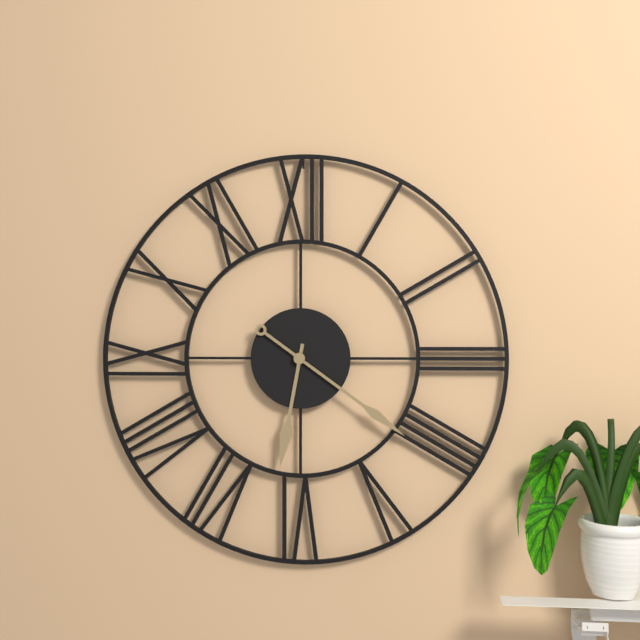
6,21
